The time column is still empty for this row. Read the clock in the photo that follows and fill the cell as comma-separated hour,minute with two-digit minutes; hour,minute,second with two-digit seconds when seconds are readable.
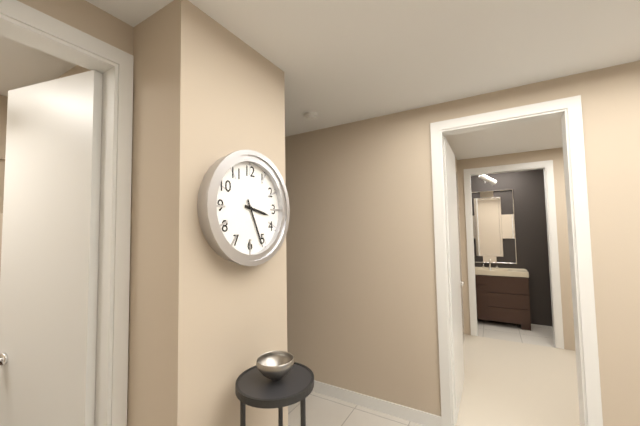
3,26
